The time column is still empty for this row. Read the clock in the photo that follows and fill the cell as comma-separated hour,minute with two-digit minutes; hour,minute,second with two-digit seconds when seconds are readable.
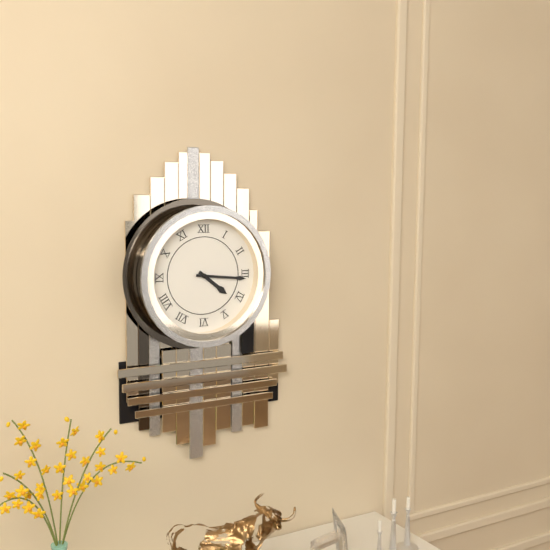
4,16
